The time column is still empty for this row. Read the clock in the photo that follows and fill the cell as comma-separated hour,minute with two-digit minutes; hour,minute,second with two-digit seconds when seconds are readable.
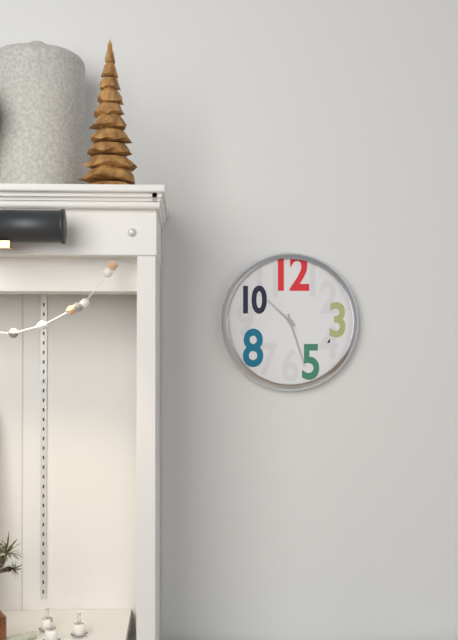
10,27
